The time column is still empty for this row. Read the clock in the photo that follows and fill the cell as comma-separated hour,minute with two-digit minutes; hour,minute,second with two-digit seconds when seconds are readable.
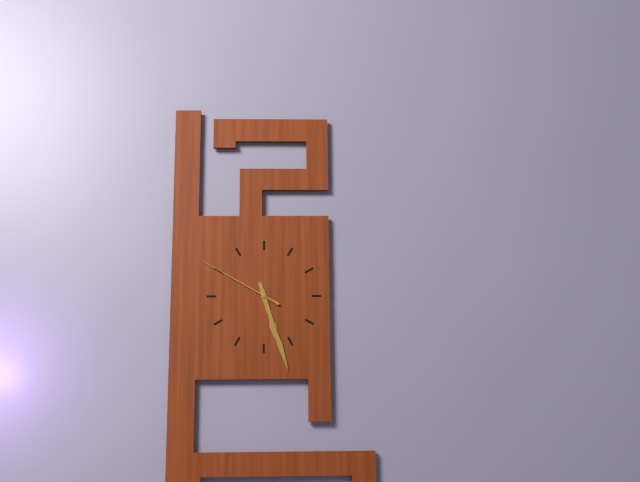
5,27,50
